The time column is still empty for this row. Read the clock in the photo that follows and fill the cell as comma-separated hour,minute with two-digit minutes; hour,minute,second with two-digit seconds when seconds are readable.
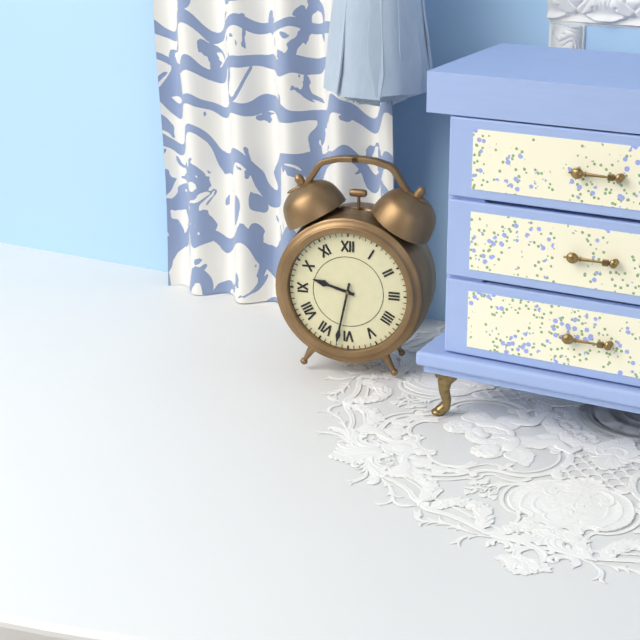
9,32
